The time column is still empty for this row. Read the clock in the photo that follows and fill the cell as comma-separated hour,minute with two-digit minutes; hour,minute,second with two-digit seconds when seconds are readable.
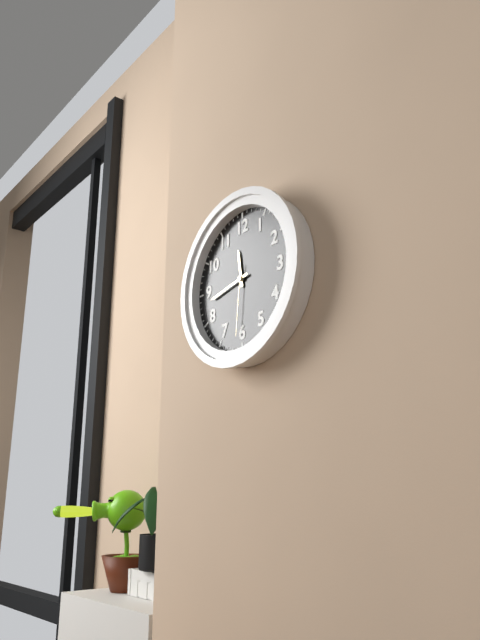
11,43,31
